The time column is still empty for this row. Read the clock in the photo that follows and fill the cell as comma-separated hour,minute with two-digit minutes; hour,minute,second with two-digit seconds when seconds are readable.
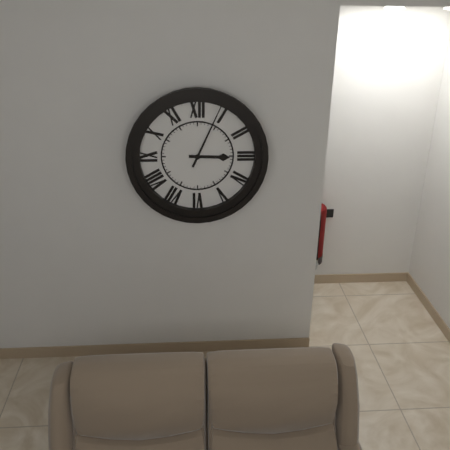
3,04
